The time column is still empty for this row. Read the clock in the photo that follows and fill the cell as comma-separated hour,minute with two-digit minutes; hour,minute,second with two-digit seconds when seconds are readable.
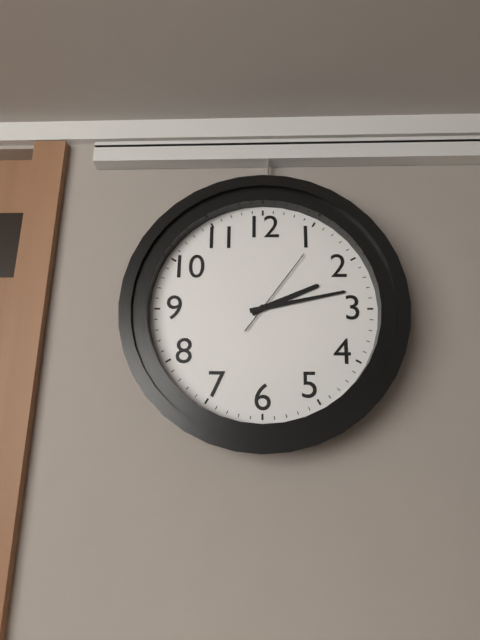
2,13,06
